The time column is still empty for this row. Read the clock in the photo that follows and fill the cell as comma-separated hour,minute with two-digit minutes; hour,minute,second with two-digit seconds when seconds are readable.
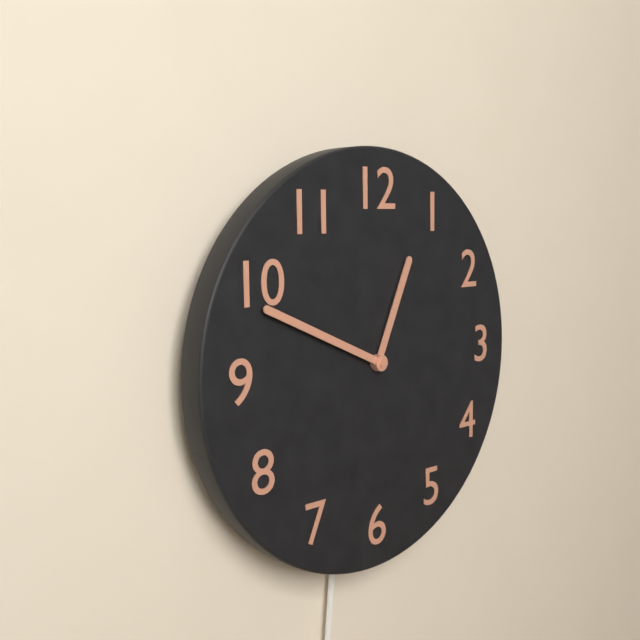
12,49
